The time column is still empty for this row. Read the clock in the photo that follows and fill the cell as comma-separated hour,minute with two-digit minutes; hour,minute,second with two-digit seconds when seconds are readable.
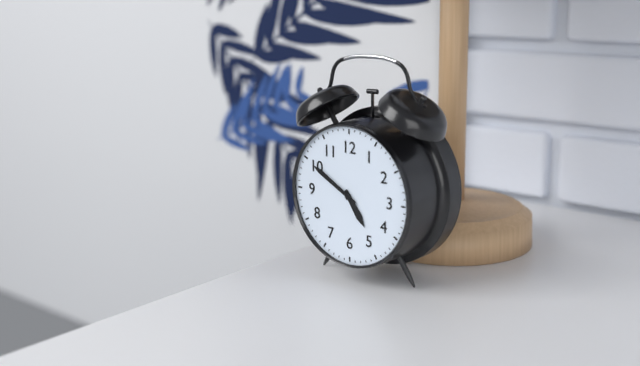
4,50
